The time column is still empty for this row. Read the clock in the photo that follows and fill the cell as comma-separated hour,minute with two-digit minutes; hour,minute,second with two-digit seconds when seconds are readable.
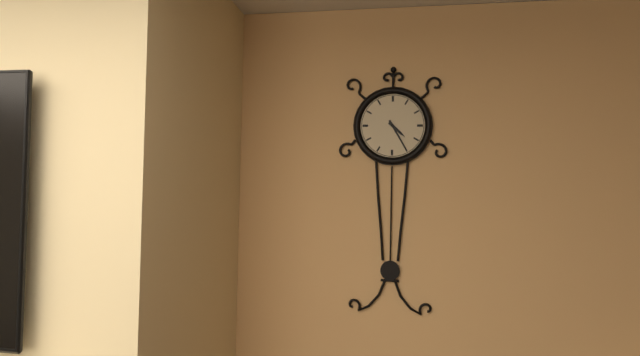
4,25
